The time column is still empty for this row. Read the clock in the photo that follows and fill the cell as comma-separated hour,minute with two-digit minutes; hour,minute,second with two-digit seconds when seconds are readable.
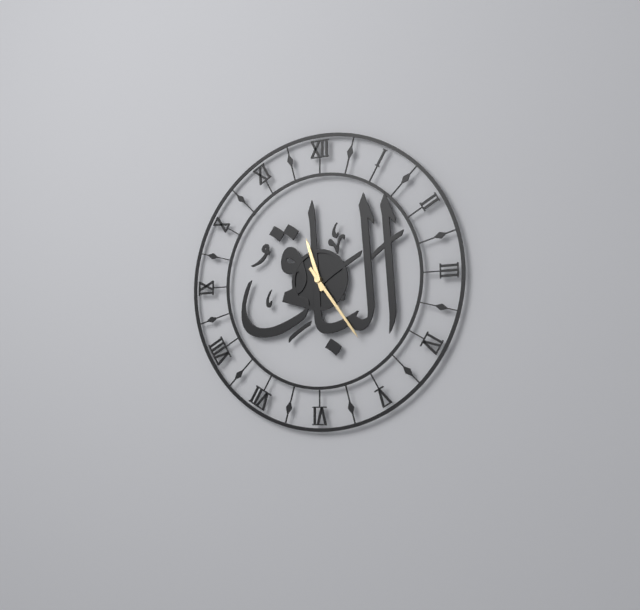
11,24
